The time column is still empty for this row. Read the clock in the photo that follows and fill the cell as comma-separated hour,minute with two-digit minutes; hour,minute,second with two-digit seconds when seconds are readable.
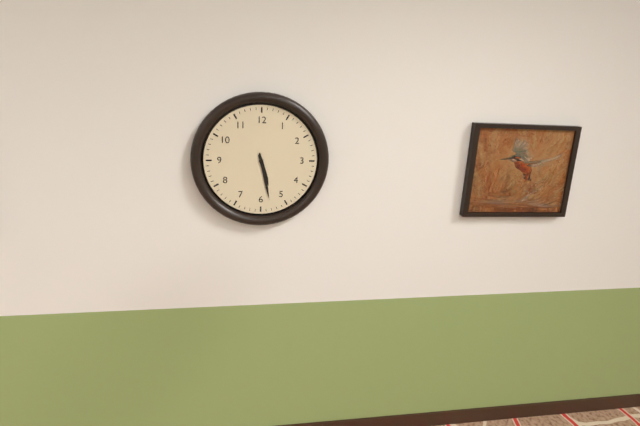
5,28
